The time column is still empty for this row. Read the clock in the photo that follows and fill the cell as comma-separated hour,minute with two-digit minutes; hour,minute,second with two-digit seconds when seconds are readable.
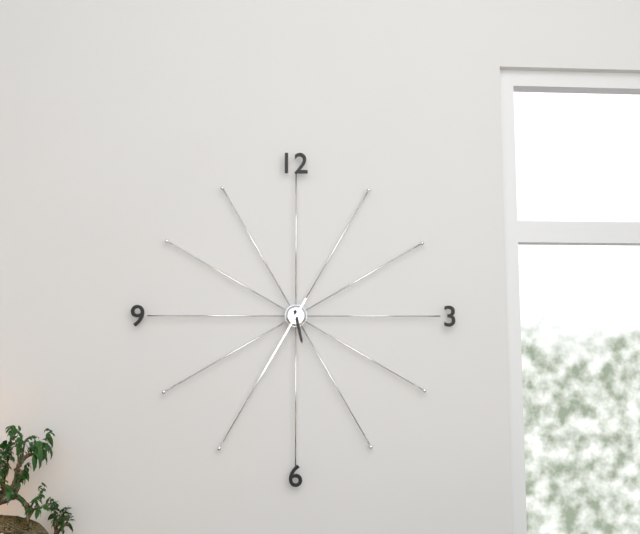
5,35
